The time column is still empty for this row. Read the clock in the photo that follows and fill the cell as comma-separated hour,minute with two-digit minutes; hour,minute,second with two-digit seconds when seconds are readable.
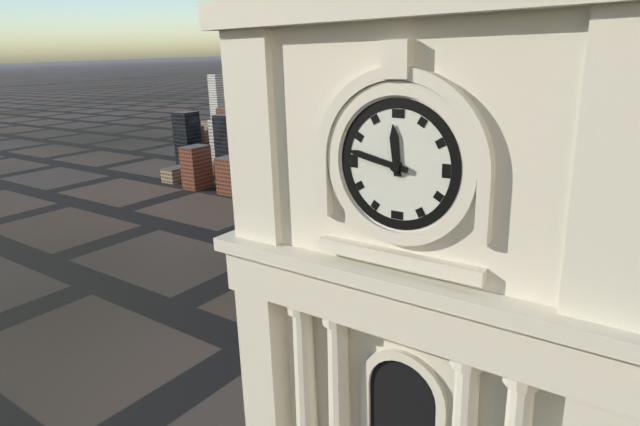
11,47
